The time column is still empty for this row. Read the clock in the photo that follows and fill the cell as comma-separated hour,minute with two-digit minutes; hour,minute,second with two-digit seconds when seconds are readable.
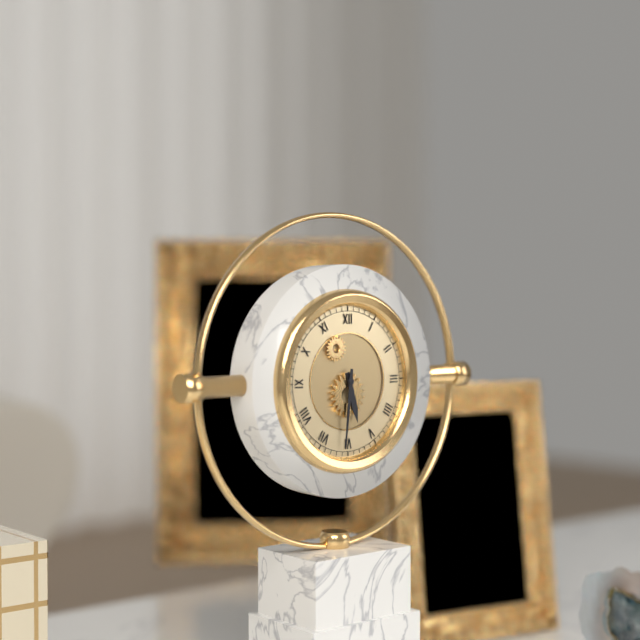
5,31
